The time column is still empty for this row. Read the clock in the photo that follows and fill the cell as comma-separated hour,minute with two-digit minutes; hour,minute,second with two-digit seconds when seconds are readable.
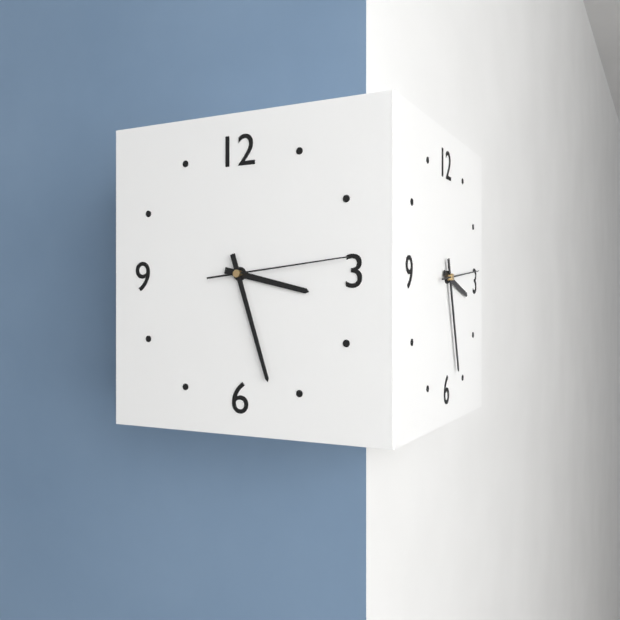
3,27,14
